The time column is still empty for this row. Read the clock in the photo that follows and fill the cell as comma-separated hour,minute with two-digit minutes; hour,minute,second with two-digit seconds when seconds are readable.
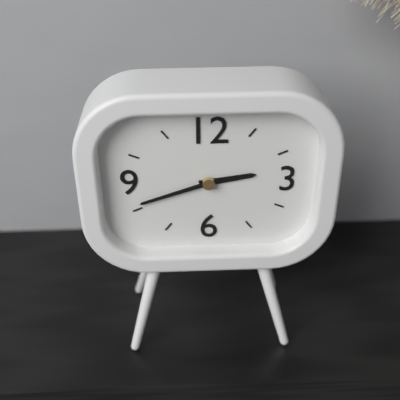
2,42
